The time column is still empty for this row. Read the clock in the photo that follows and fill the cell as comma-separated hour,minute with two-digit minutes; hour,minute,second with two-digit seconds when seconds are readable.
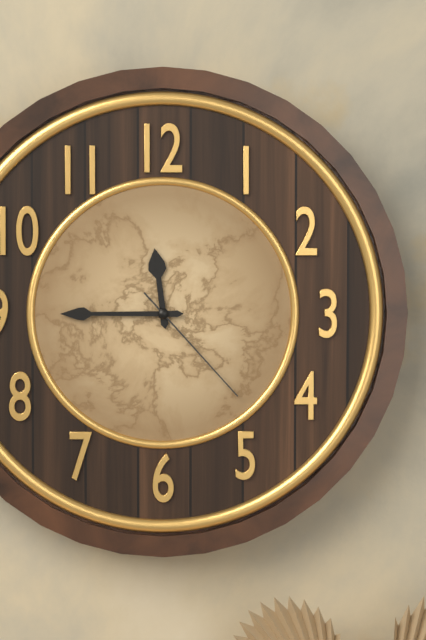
11,45,23
